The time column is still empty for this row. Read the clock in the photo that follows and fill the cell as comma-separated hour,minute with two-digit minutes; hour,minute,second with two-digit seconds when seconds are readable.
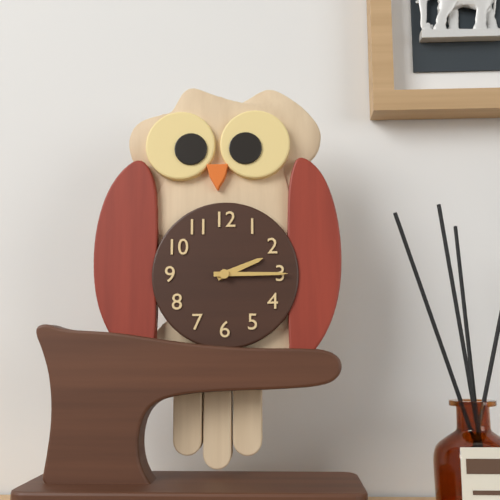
2,15
